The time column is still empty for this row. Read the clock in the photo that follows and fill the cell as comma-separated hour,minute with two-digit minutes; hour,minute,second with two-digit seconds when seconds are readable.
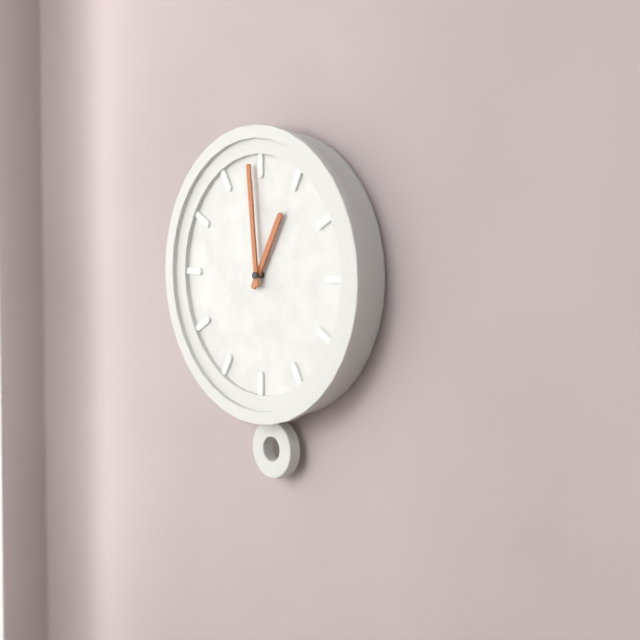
12,59
